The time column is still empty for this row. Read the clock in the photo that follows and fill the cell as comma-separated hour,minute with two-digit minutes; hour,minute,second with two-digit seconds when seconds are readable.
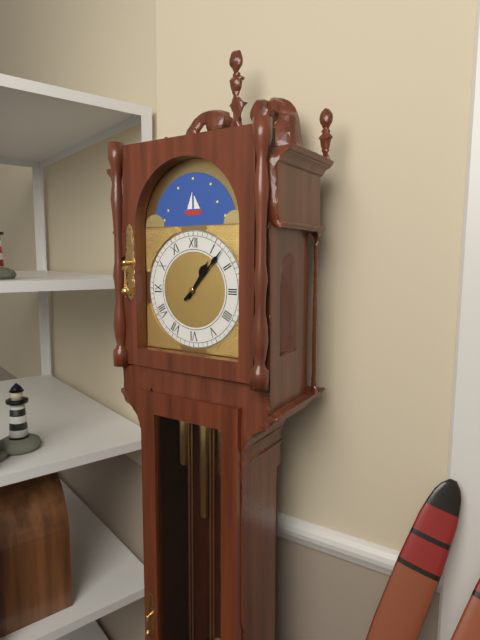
1,07
